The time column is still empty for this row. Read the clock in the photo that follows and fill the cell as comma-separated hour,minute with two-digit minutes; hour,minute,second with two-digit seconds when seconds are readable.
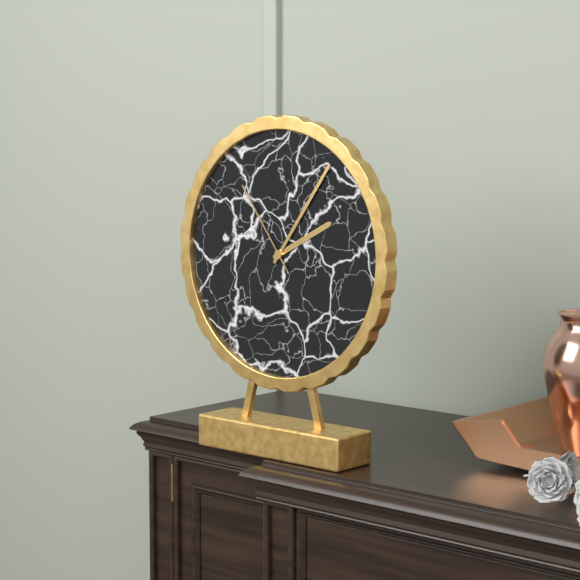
2,06,54
